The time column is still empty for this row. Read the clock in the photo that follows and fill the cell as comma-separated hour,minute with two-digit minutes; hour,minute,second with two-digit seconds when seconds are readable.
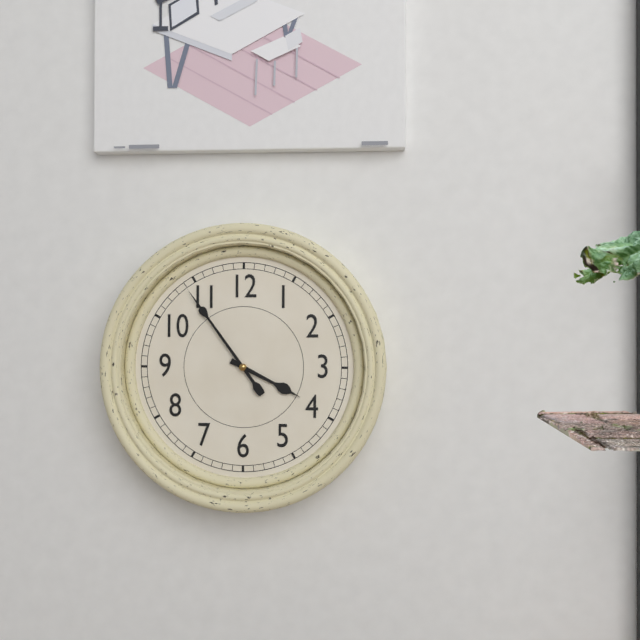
3,54
